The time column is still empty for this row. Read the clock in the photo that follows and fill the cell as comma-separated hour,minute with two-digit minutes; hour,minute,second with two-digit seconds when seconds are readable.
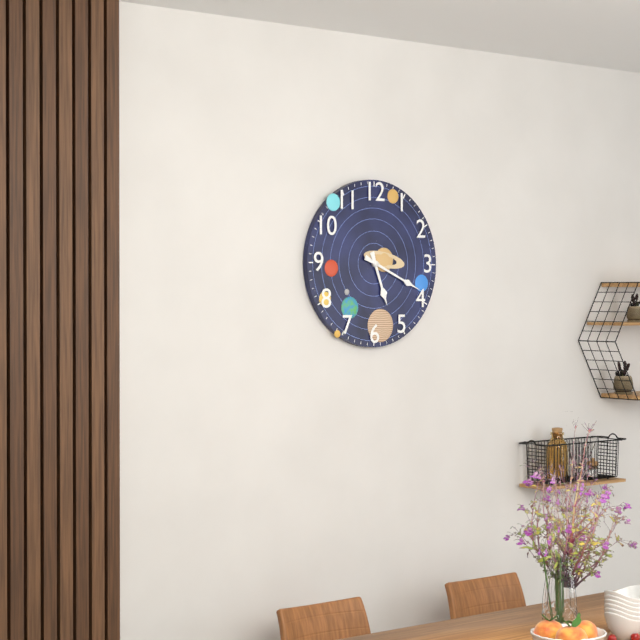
5,19
